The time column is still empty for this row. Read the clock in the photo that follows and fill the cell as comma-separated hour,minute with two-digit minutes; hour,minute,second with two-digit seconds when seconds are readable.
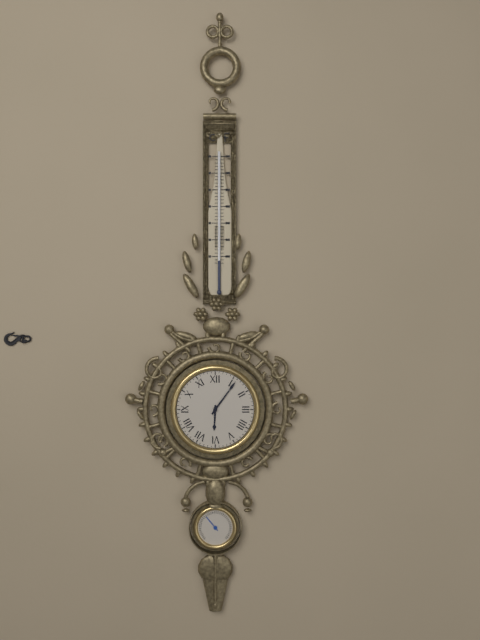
6,06
